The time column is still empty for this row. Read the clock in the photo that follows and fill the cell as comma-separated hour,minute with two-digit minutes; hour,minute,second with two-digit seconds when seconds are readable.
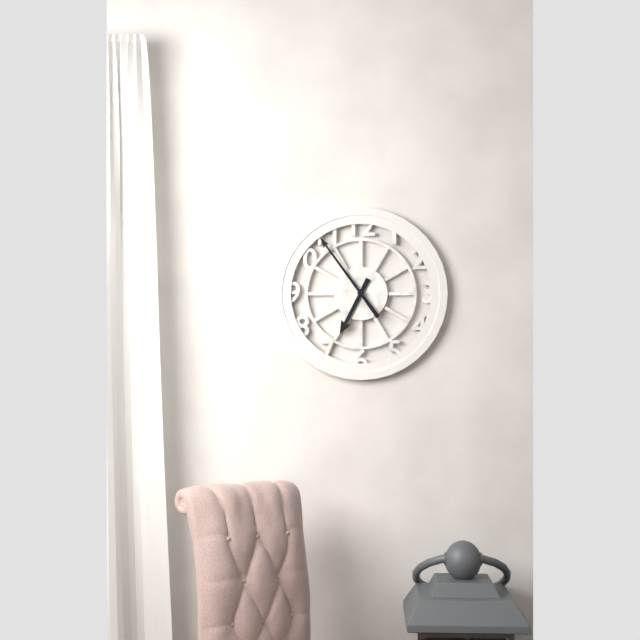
6,54
